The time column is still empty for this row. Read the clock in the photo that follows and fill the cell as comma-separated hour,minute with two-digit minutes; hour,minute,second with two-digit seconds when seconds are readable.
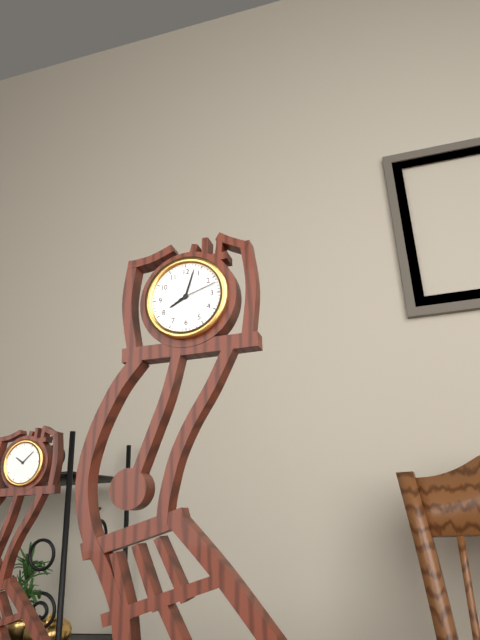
8,03
